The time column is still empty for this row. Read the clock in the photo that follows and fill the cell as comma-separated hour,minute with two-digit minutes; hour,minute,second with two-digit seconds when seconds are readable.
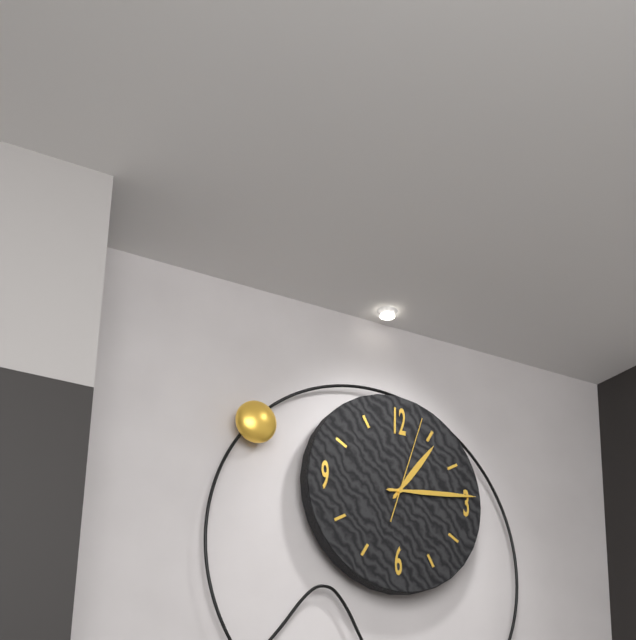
1,14,03
